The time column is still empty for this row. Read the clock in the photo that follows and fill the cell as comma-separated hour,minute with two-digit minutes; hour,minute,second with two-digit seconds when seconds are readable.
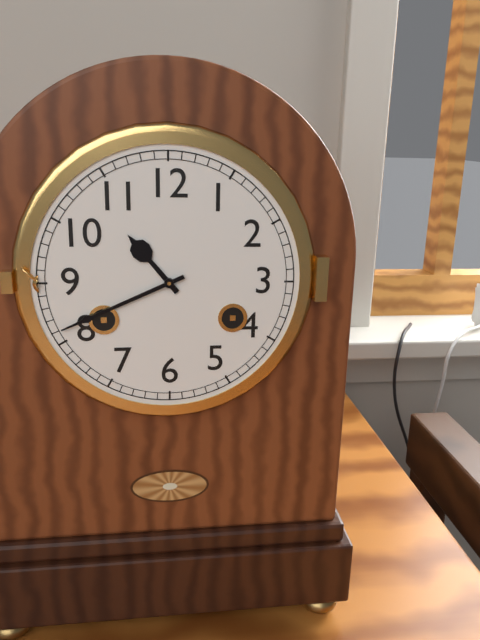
10,41
